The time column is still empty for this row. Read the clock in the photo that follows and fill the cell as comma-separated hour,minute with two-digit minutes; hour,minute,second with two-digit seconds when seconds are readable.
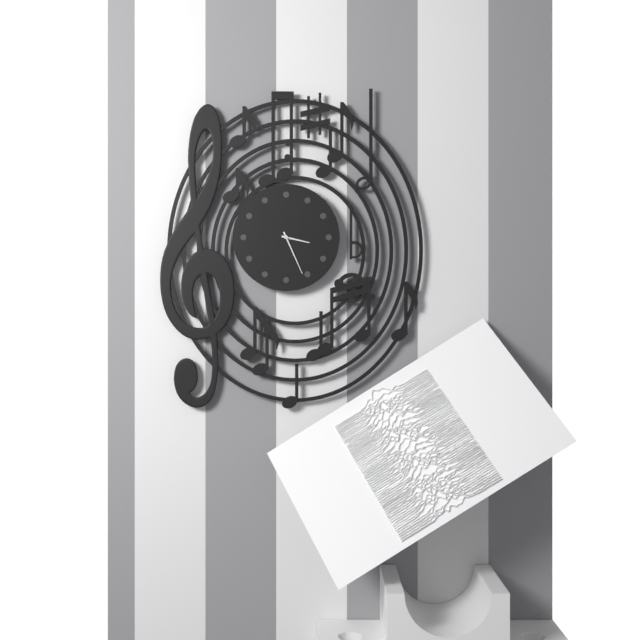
3,26
